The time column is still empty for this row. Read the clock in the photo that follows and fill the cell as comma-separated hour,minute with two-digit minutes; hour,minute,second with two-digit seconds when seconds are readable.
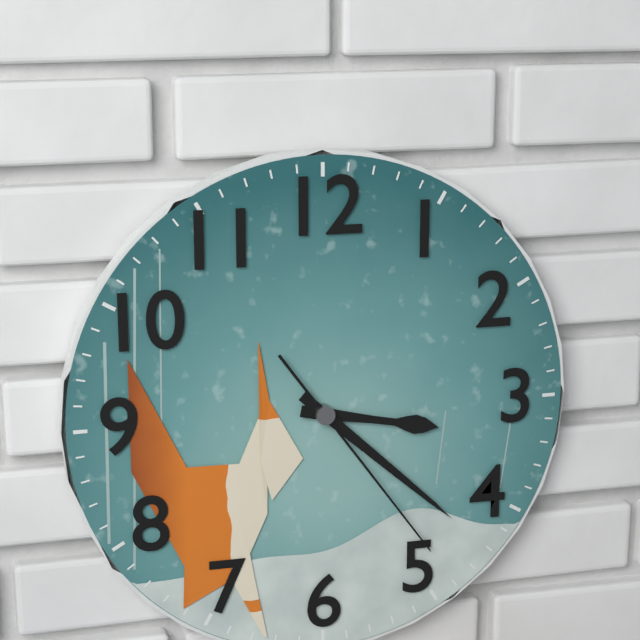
3,22,24
